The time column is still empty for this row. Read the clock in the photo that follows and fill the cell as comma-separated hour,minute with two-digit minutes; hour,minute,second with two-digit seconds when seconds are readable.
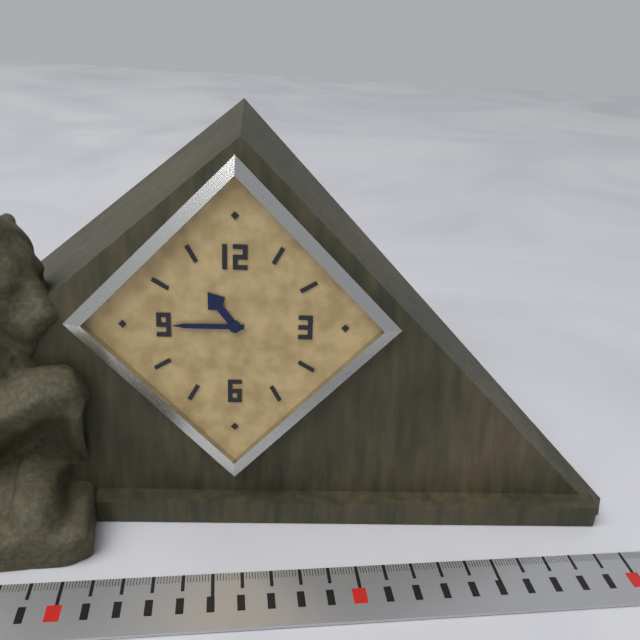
10,45
